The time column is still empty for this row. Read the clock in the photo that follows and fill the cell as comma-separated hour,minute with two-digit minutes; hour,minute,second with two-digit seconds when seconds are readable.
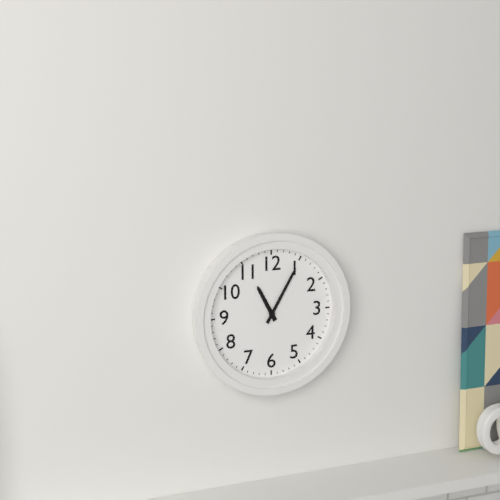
11,05
